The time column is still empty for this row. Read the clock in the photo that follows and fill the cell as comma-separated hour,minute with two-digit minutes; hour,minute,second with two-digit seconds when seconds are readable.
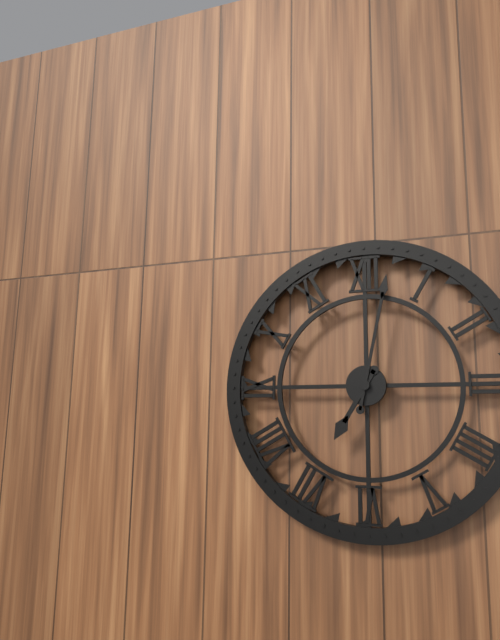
7,02
